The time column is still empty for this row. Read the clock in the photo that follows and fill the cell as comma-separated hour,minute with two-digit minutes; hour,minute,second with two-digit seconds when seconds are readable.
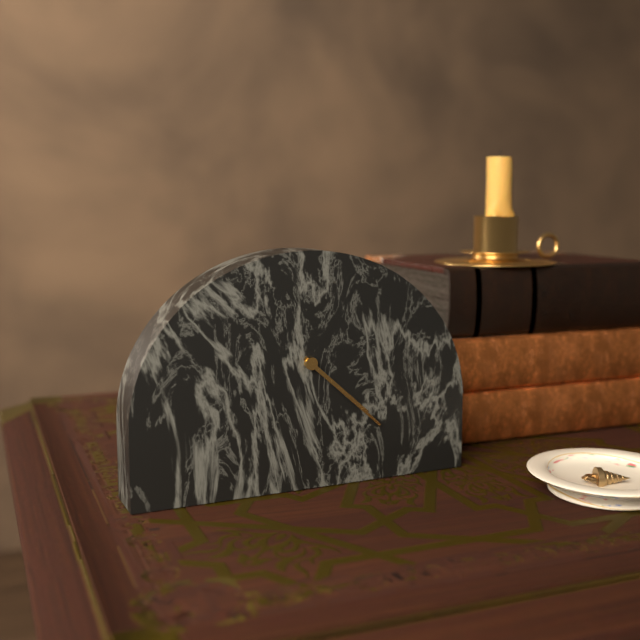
4,22
